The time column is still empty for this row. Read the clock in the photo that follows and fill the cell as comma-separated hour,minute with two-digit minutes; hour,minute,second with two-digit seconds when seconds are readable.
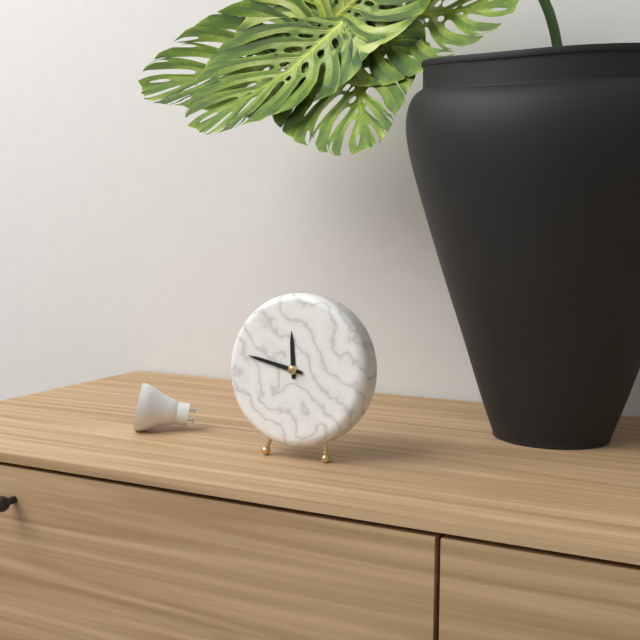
11,47
